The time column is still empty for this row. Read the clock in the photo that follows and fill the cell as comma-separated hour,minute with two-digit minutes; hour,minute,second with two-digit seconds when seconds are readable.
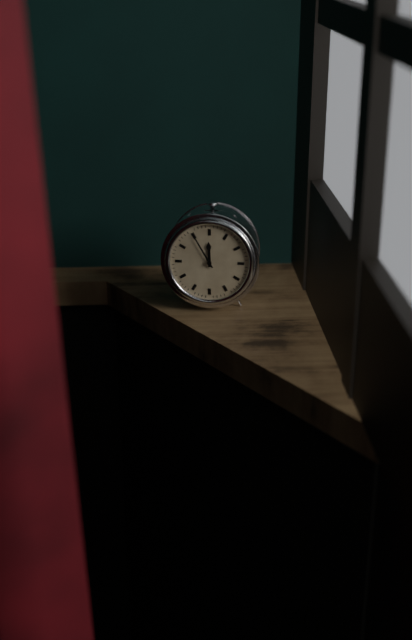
11,55
